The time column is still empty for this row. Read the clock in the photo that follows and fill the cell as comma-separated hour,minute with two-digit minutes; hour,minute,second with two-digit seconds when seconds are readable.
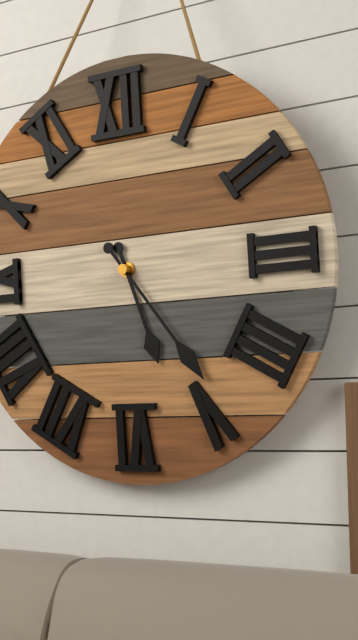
5,24
